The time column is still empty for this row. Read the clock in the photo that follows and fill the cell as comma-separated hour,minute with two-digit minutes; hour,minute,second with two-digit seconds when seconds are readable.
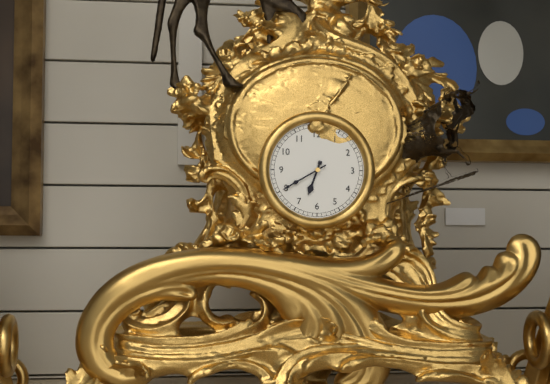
6,40
